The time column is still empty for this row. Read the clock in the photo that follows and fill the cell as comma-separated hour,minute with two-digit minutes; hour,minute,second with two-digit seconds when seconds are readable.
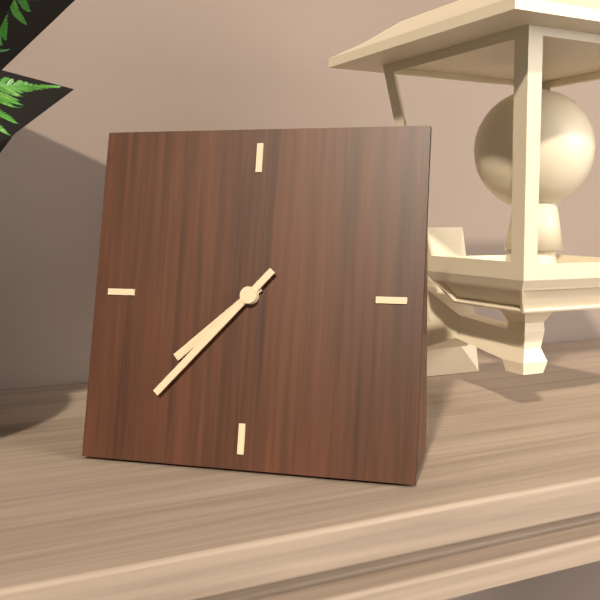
7,37
